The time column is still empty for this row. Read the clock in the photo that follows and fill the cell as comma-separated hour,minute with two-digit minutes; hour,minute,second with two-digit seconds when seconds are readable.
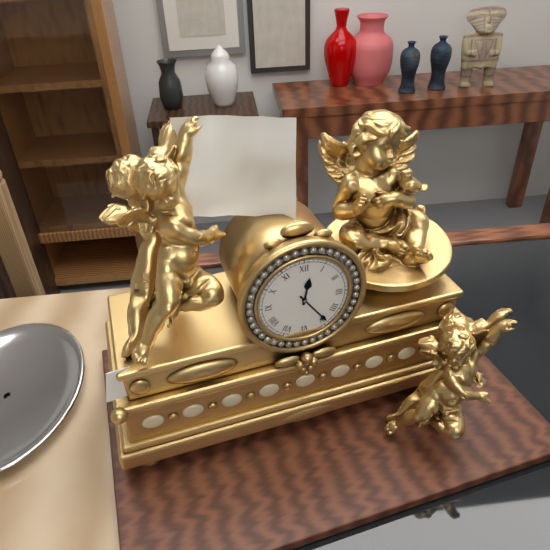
12,24
